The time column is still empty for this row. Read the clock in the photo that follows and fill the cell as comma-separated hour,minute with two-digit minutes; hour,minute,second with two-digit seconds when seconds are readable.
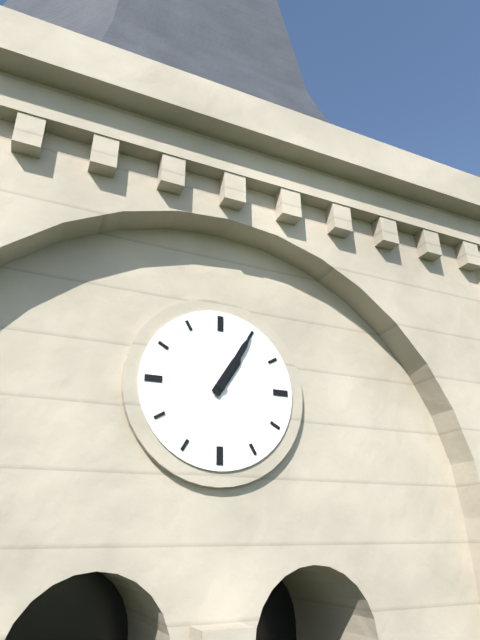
1,05
